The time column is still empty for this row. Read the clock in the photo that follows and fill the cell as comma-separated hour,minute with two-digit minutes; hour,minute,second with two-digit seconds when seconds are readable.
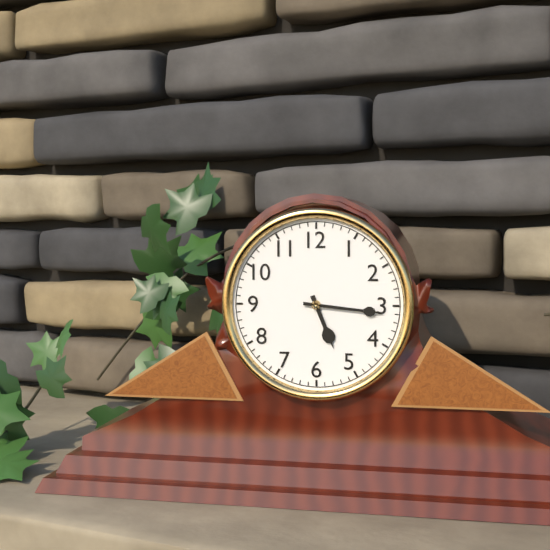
5,16
